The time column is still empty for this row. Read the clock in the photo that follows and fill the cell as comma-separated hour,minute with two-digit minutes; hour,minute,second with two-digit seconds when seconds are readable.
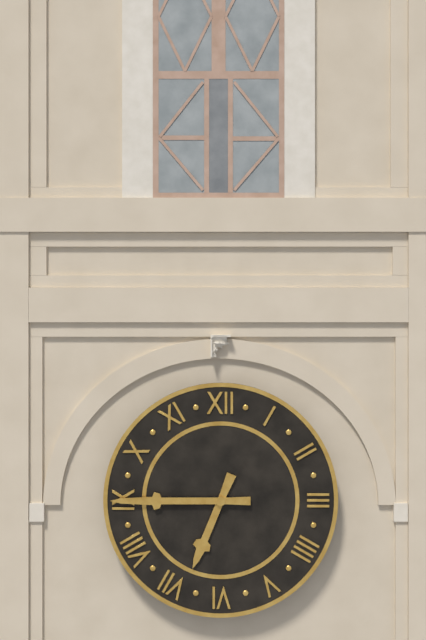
6,45
